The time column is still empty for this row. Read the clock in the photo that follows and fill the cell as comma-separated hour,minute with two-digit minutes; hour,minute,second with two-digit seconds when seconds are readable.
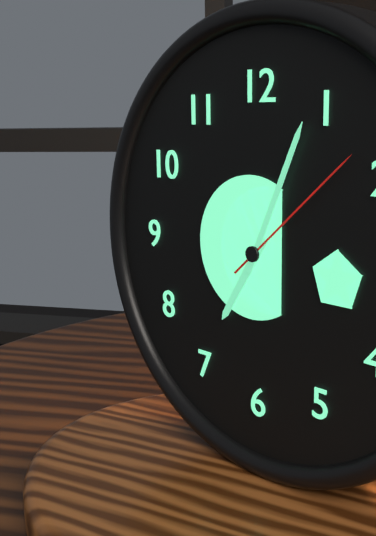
7,04,08
